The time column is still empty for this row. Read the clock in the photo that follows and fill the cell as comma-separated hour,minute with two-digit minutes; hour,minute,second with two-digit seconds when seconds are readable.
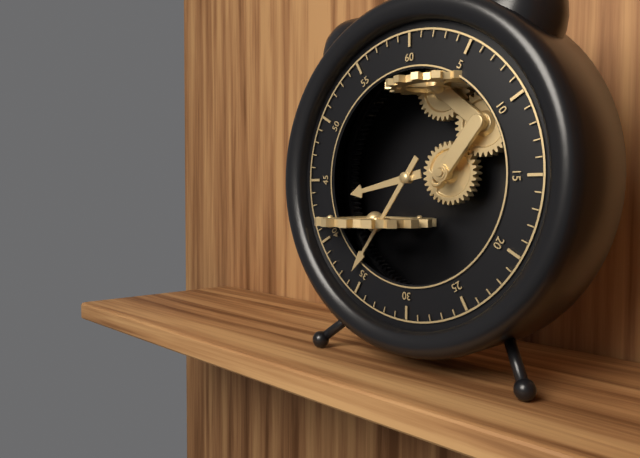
8,36
